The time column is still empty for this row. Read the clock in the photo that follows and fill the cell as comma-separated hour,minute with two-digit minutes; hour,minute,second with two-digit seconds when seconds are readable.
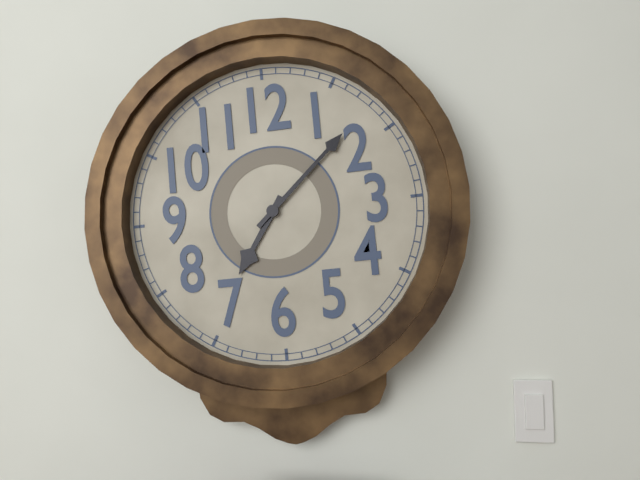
7,08
